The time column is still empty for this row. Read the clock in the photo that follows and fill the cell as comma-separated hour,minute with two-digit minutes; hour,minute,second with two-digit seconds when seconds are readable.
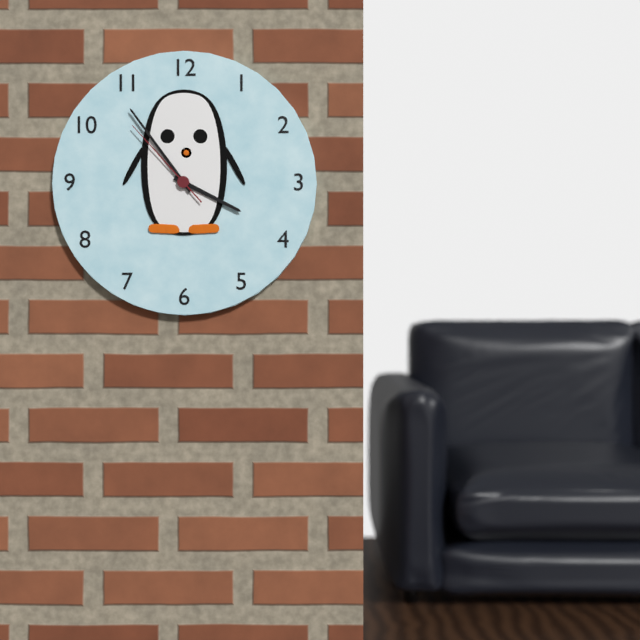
3,54,53
